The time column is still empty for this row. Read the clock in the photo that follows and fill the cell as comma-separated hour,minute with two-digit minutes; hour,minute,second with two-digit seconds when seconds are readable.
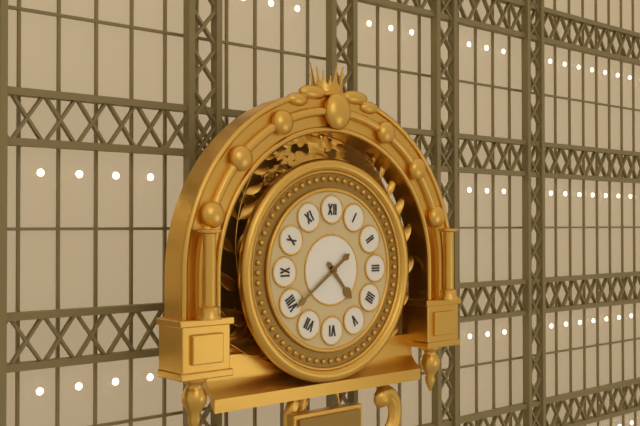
4,39
